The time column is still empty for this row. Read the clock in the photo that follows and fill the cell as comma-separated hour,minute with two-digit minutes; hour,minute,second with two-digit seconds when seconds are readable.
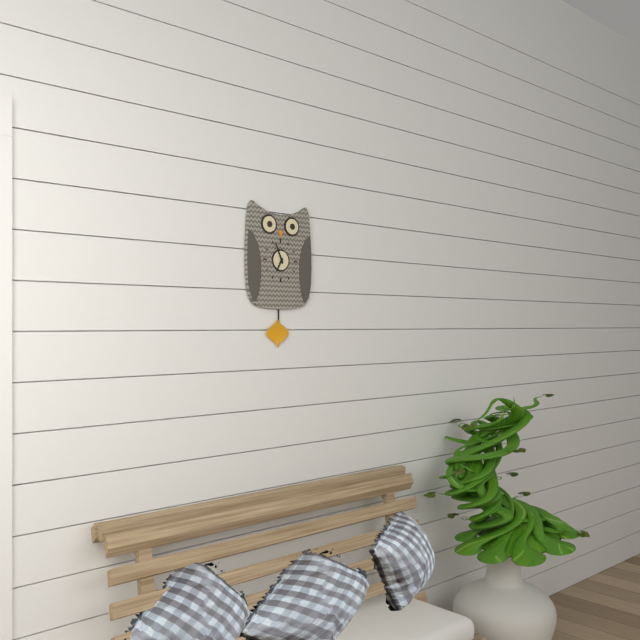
6,56
